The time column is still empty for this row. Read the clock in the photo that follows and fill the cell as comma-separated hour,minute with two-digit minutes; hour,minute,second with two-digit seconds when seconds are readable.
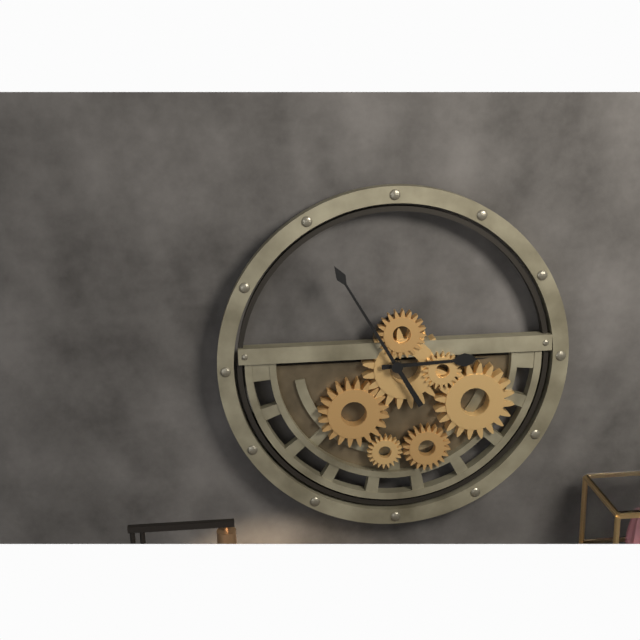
2,55
